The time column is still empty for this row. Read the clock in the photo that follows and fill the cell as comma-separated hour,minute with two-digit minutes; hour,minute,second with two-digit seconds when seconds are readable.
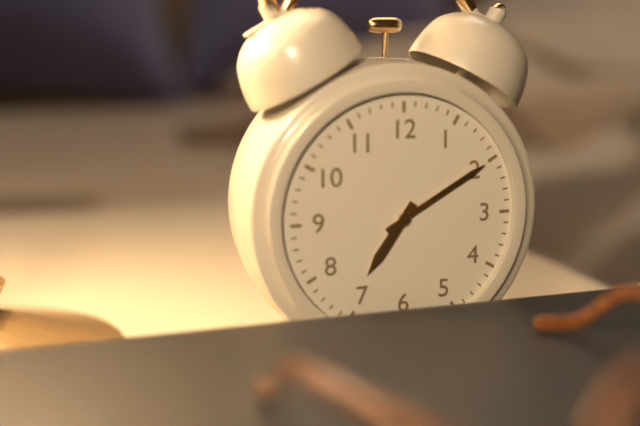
7,10
